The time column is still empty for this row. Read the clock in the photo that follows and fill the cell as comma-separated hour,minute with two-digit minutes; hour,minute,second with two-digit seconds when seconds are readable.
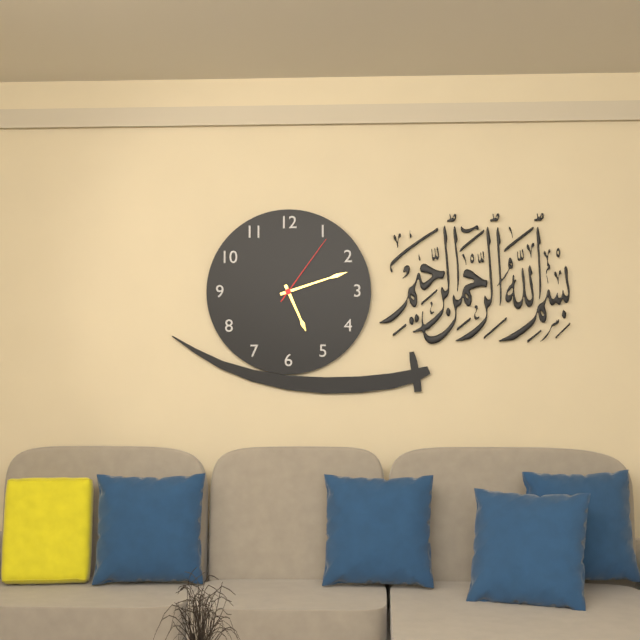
5,12,06
